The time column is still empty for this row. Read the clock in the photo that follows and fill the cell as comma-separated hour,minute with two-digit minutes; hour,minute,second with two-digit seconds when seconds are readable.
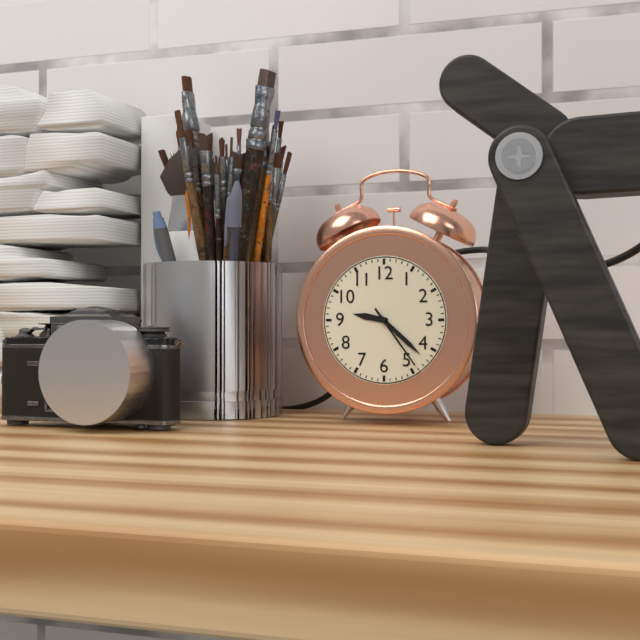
9,22,24
